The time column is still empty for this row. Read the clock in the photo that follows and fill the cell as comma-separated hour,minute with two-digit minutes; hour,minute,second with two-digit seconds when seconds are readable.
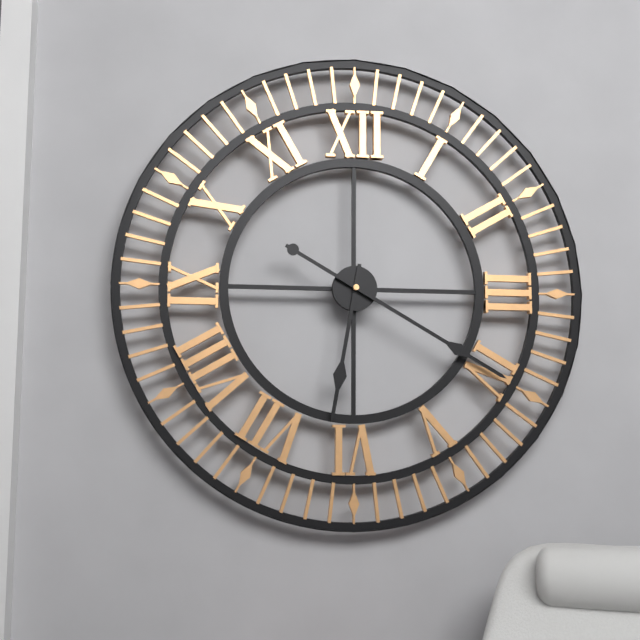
6,20
